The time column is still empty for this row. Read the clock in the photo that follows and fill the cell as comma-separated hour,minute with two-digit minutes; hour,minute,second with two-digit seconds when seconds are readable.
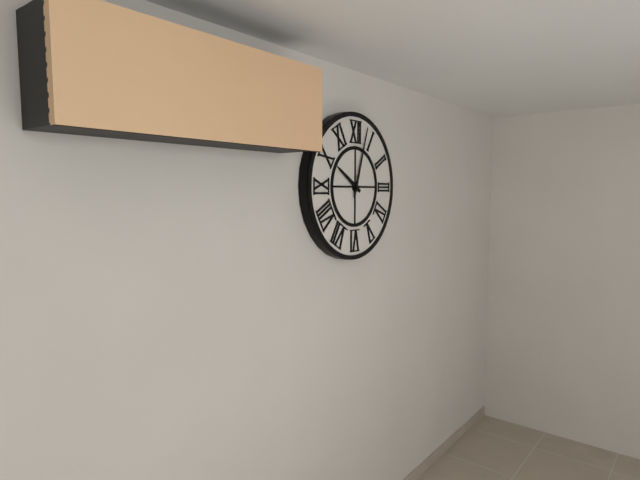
10,03
